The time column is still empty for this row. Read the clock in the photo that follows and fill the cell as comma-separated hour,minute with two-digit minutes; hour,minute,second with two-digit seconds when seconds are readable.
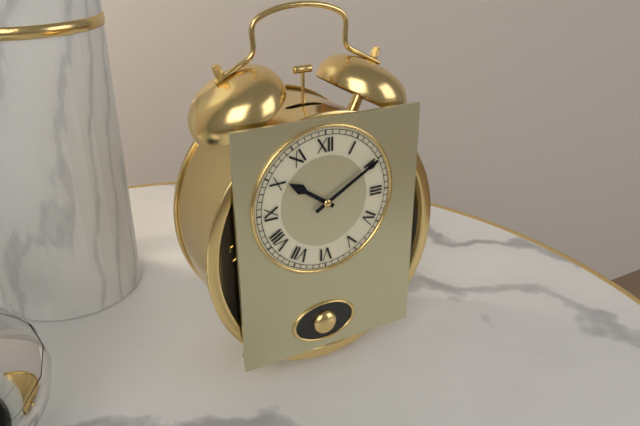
10,10
